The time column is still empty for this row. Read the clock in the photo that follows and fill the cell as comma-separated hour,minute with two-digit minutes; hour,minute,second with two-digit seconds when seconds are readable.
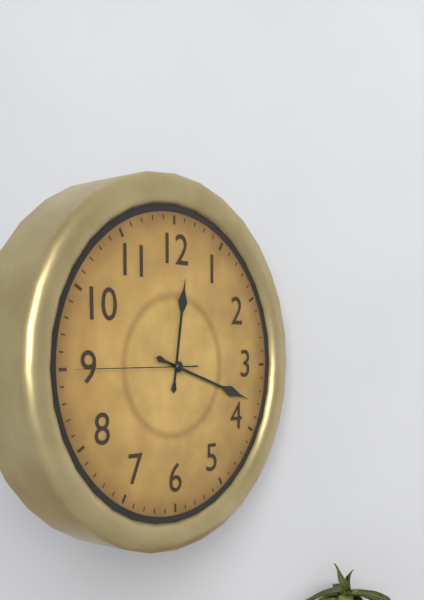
12,18,45
